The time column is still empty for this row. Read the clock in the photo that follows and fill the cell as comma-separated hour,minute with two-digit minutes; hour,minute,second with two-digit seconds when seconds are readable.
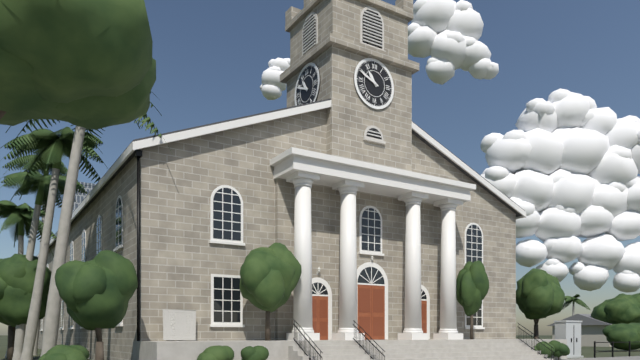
10,49
